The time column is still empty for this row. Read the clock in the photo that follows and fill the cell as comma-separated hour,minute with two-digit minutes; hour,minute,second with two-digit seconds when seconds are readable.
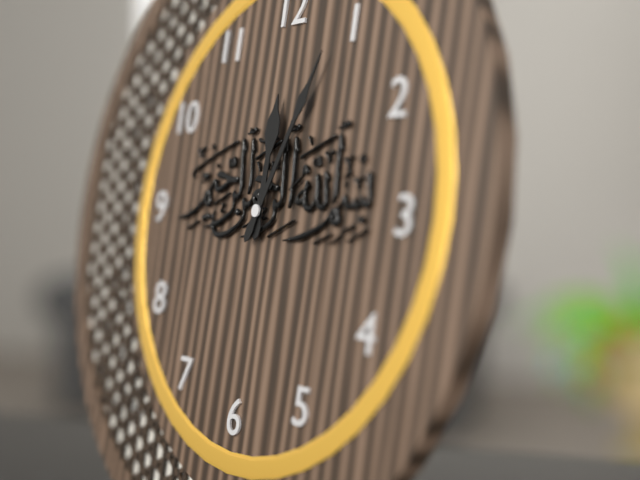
12,04
